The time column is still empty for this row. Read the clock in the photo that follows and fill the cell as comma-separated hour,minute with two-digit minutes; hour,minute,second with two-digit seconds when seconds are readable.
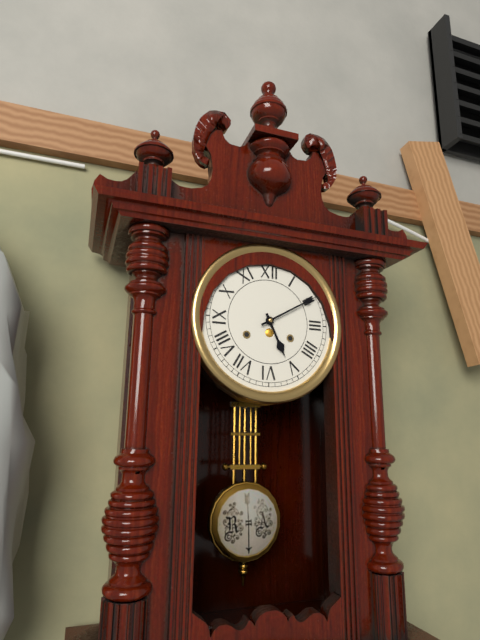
5,10
